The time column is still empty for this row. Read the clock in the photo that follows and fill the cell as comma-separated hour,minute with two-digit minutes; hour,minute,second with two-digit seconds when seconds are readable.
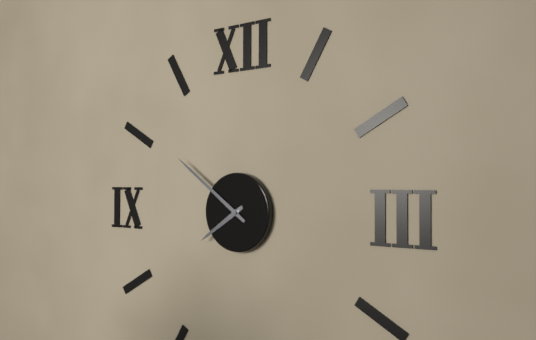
7,51
